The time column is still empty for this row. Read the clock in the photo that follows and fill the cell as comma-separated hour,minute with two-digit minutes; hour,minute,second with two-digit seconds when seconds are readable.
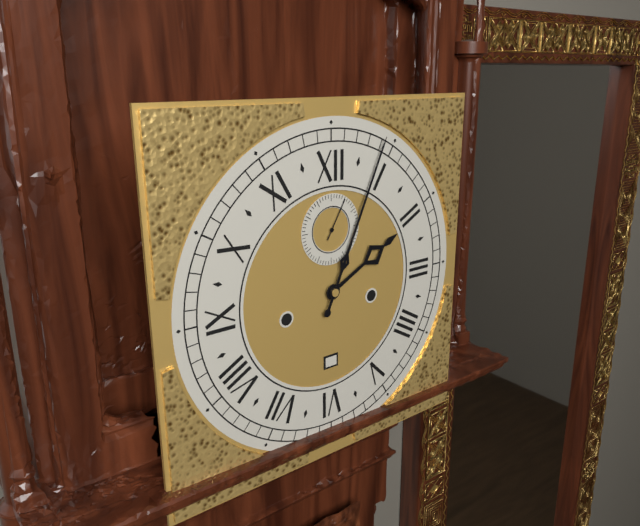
2,04
